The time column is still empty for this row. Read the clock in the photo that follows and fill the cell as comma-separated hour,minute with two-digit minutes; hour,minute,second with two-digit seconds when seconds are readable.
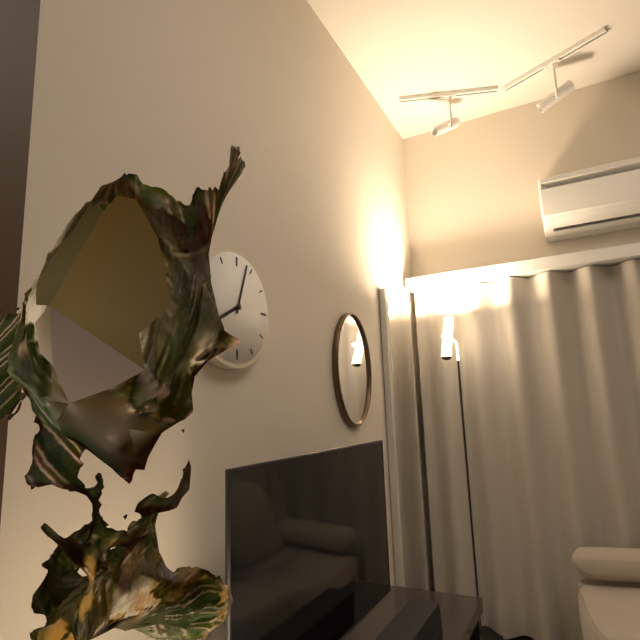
8,03
